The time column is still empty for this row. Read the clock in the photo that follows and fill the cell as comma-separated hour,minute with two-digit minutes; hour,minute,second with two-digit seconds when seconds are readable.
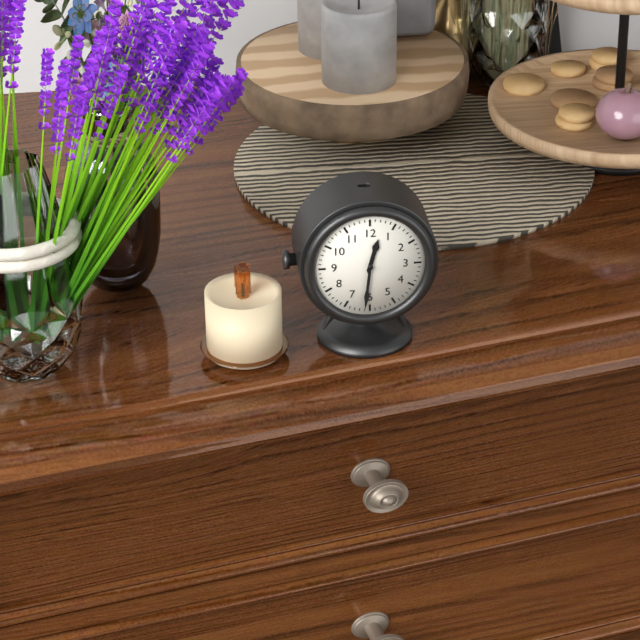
12,31
